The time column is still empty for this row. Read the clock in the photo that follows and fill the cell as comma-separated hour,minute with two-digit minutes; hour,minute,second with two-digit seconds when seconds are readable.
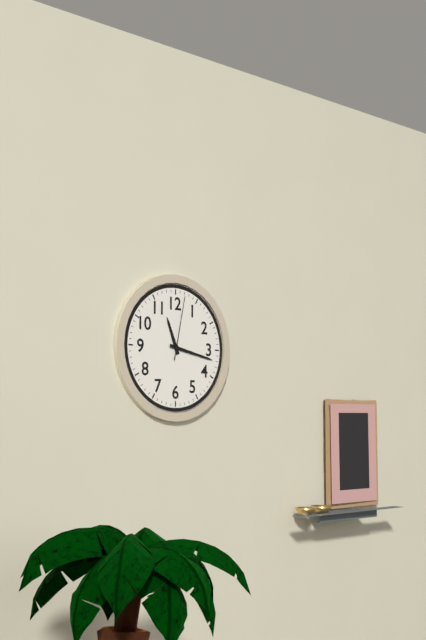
11,17,02
